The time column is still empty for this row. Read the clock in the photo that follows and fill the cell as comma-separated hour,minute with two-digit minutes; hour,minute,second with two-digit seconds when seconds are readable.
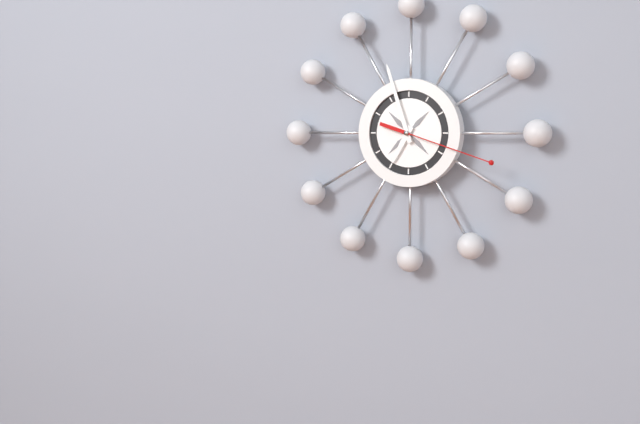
6,57,18
